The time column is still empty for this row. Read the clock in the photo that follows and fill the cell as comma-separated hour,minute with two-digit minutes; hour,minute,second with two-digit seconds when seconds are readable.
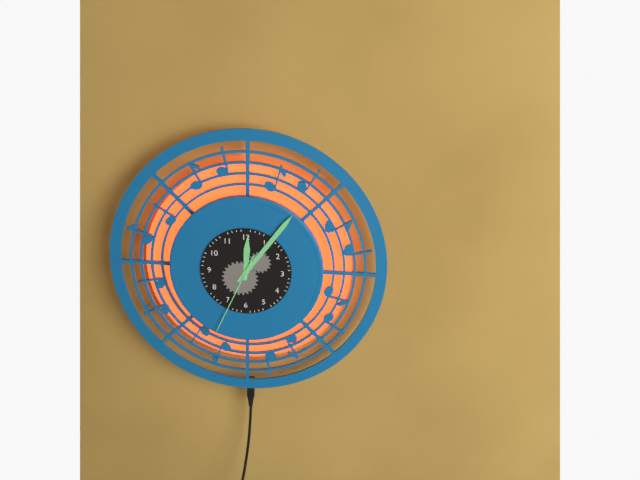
12,06,34
